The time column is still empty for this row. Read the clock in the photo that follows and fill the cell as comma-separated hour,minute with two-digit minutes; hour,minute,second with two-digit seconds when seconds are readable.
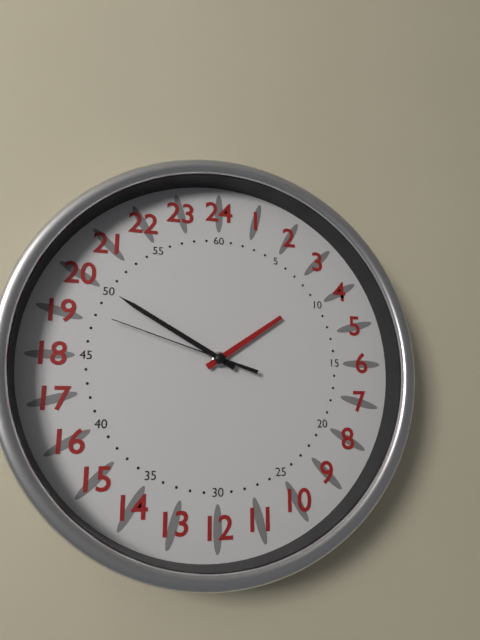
1,50,48
